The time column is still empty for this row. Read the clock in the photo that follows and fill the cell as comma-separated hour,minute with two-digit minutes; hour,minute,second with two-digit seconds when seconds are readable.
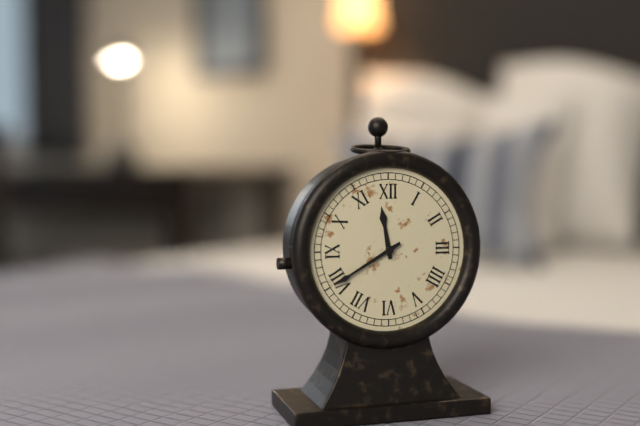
11,40
